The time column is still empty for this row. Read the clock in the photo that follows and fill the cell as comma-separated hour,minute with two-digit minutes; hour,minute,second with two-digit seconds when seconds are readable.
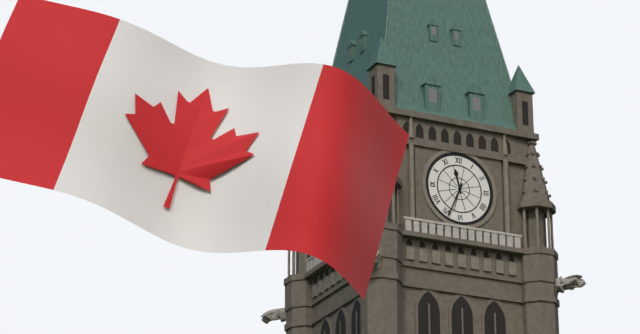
11,34
